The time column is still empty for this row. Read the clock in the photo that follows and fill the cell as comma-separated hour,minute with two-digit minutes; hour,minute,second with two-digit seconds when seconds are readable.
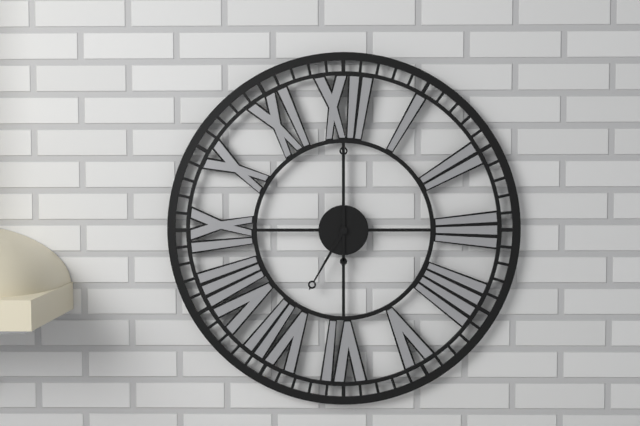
7,00
